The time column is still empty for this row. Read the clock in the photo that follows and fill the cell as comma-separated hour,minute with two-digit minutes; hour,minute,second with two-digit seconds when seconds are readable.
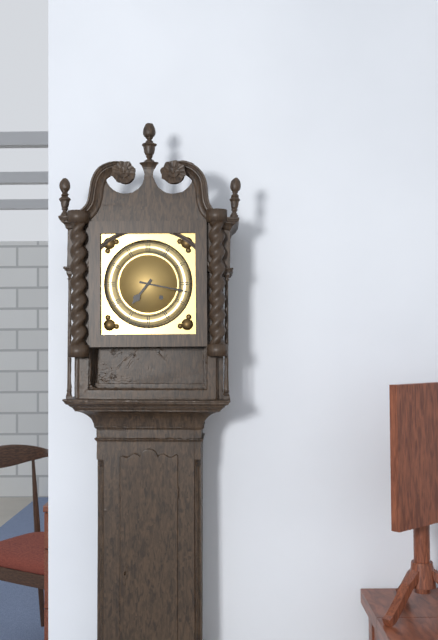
7,17
